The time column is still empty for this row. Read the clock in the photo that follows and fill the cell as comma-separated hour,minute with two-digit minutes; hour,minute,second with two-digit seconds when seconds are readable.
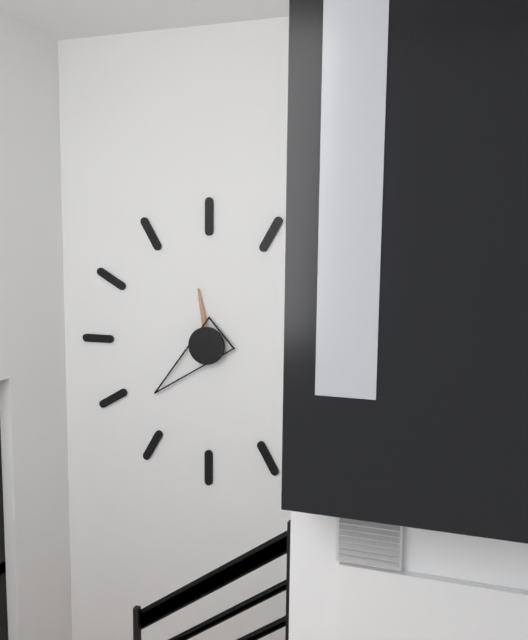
11,38
